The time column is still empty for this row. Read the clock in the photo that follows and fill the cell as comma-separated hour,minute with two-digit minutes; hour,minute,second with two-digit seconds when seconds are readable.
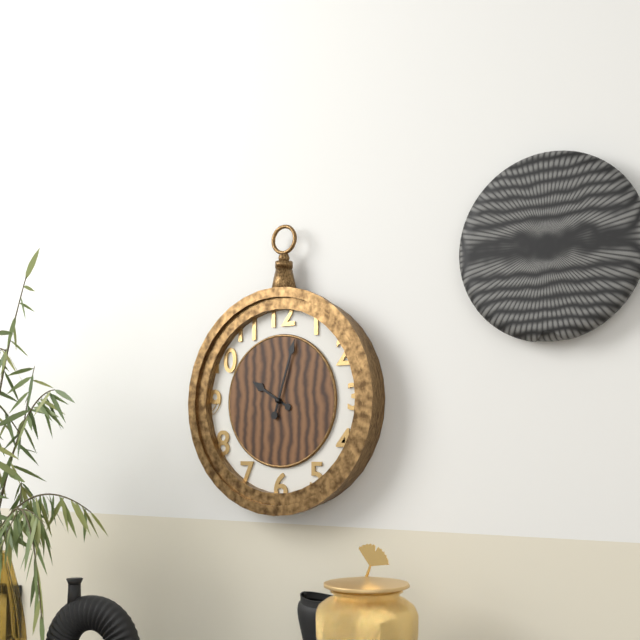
10,03
